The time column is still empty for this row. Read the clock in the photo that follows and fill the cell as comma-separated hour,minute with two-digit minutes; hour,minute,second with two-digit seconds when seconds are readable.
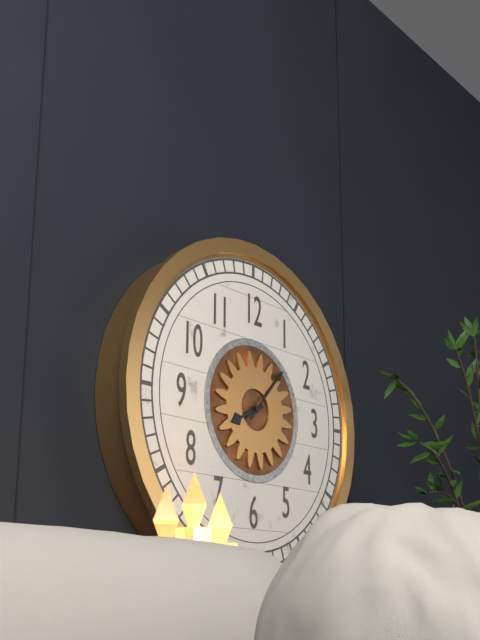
8,07
